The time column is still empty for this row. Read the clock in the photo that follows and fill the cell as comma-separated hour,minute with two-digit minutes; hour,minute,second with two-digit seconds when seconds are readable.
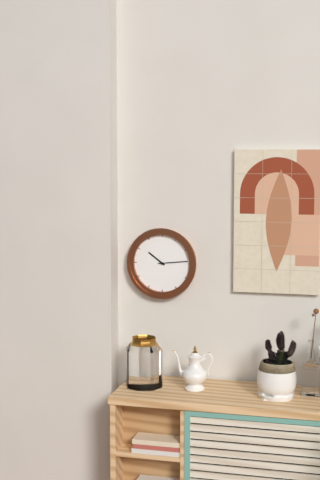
10,14
